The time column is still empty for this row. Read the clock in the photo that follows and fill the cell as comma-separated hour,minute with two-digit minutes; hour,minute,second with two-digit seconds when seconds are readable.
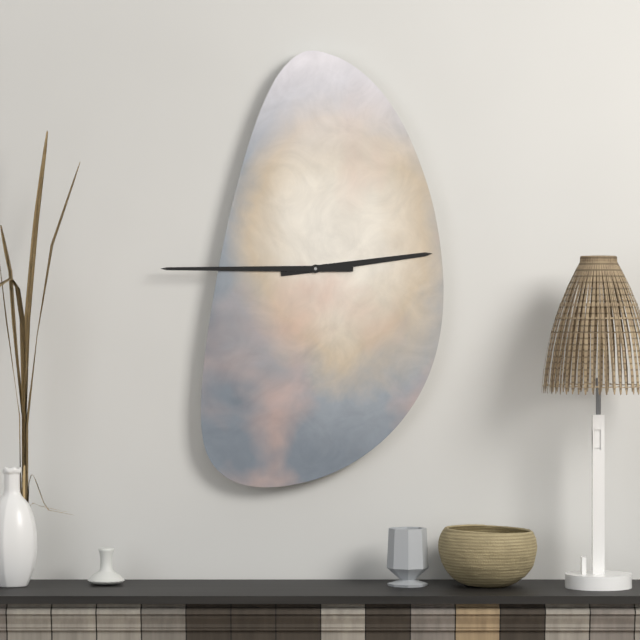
2,45
